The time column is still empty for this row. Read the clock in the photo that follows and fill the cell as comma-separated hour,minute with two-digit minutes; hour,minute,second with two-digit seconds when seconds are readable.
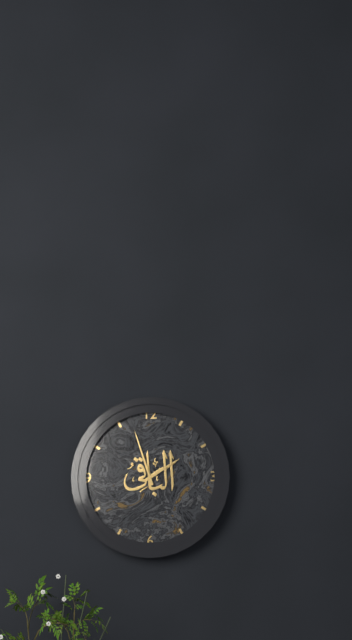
1,57
